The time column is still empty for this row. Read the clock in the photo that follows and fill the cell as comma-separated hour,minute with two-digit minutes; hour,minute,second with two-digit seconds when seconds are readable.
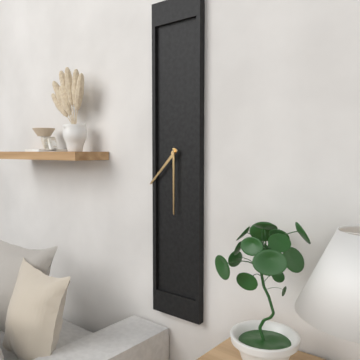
7,30
